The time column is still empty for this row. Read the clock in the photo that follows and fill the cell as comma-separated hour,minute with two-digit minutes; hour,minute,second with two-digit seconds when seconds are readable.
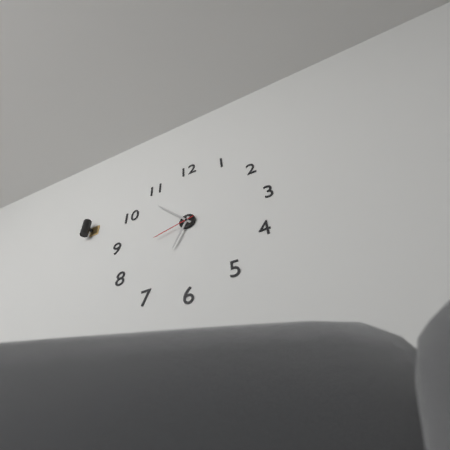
6,53
